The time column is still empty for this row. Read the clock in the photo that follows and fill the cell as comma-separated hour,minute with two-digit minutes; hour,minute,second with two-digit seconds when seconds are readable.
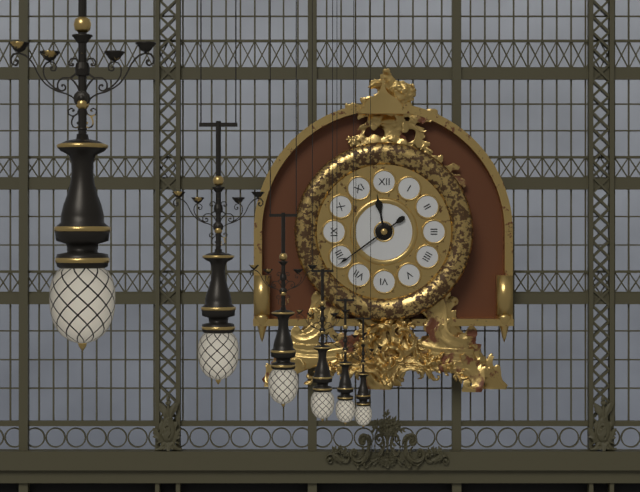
11,39
